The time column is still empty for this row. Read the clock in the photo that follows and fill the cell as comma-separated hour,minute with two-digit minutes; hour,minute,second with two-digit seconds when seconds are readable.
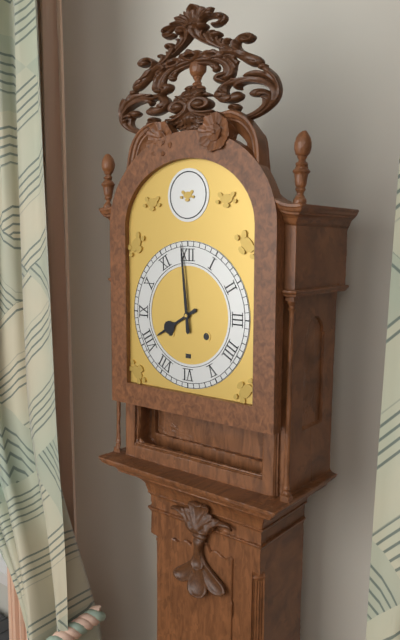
7,59
